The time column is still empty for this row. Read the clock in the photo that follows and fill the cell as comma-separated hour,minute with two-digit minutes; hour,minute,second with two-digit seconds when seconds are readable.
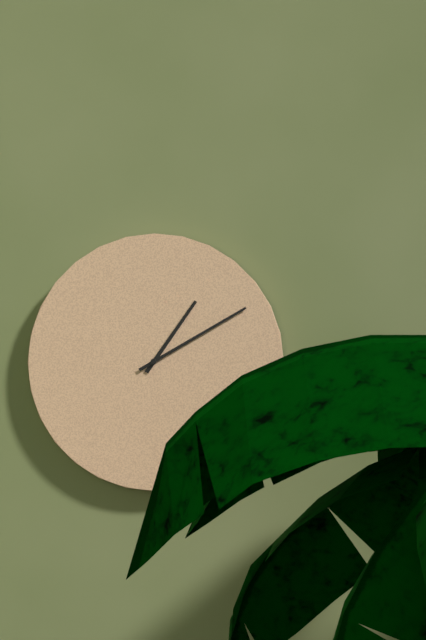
1,10
